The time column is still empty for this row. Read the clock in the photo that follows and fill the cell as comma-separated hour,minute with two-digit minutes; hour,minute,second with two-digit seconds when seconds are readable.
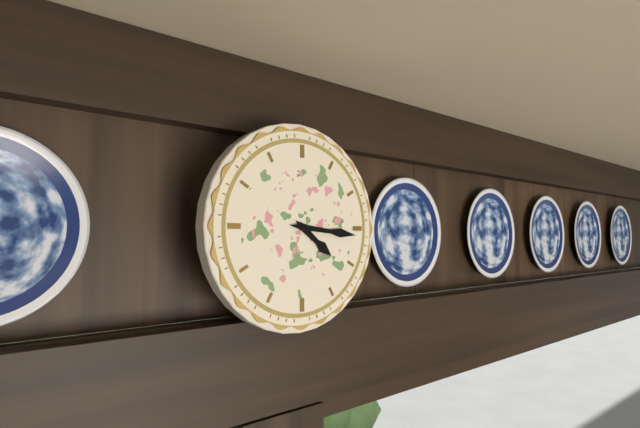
4,16
